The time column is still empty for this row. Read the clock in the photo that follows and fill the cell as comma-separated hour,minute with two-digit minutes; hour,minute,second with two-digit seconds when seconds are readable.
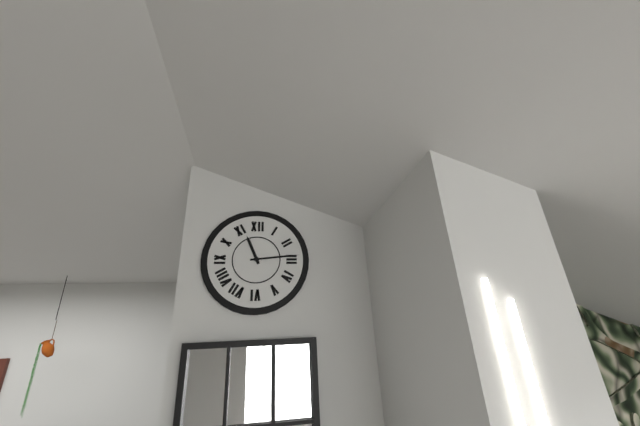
11,14
